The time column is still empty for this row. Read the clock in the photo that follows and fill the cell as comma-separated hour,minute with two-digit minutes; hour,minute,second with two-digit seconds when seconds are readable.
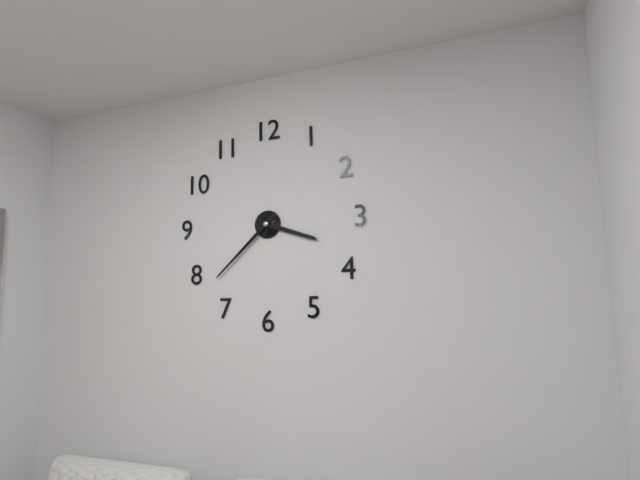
3,38
